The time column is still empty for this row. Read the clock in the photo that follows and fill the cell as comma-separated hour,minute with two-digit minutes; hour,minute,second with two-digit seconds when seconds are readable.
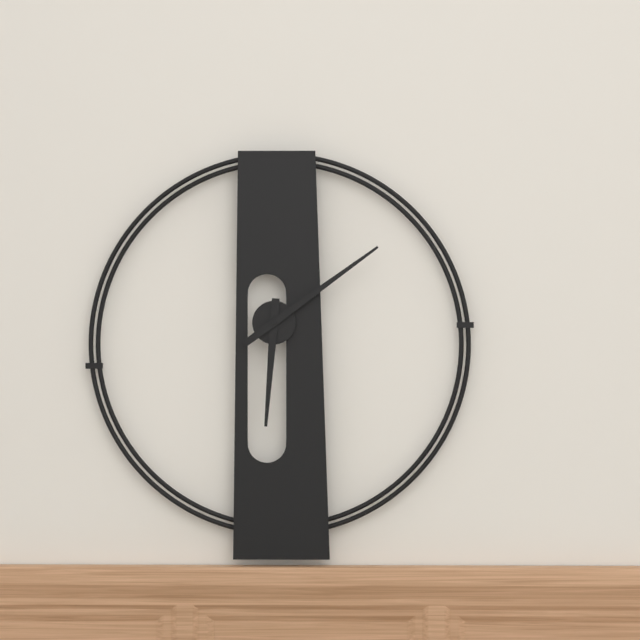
6,09
